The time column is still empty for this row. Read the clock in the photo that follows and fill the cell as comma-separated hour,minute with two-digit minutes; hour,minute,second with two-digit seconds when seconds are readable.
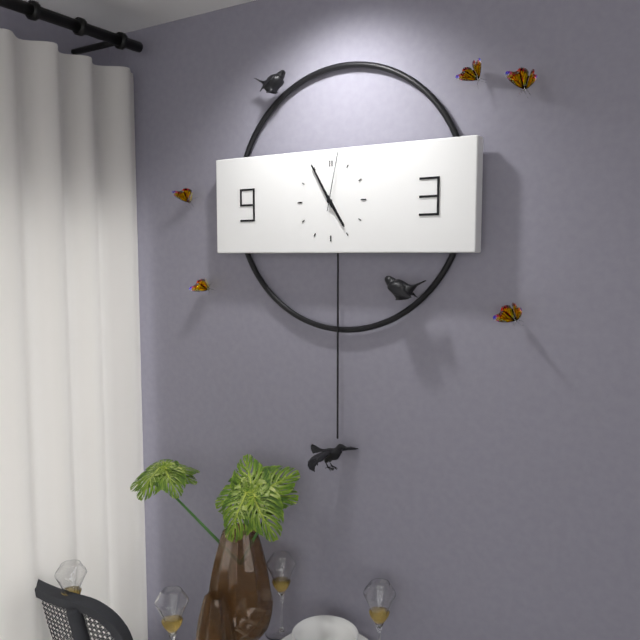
4,55,02
